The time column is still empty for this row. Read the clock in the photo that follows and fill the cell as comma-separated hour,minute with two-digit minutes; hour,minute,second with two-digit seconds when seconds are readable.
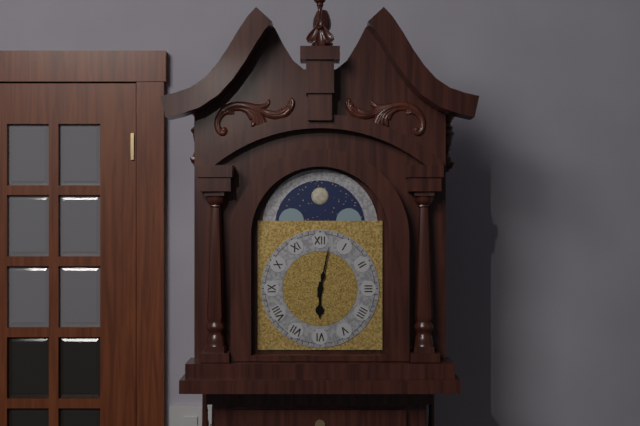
6,02
